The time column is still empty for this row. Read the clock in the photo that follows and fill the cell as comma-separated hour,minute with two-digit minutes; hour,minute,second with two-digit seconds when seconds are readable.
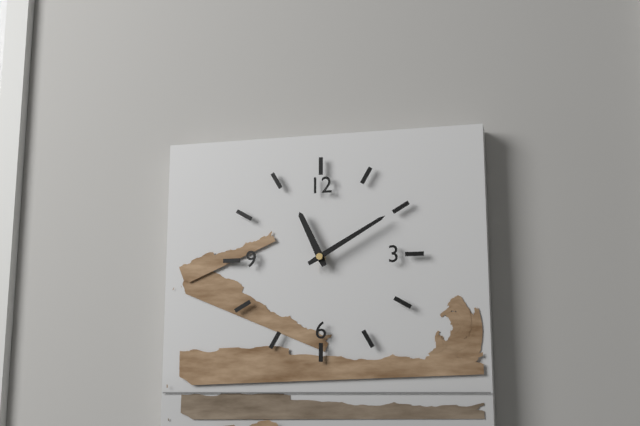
11,10
